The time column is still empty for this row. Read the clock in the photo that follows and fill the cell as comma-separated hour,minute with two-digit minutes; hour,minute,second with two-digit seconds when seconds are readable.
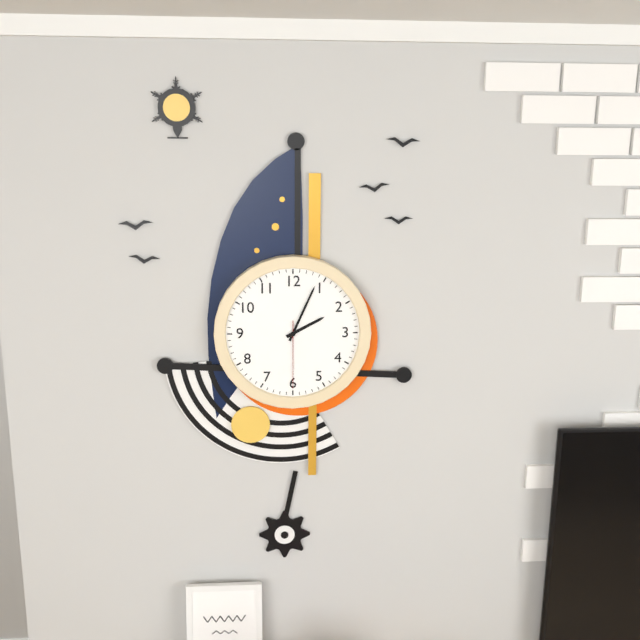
2,04,30
